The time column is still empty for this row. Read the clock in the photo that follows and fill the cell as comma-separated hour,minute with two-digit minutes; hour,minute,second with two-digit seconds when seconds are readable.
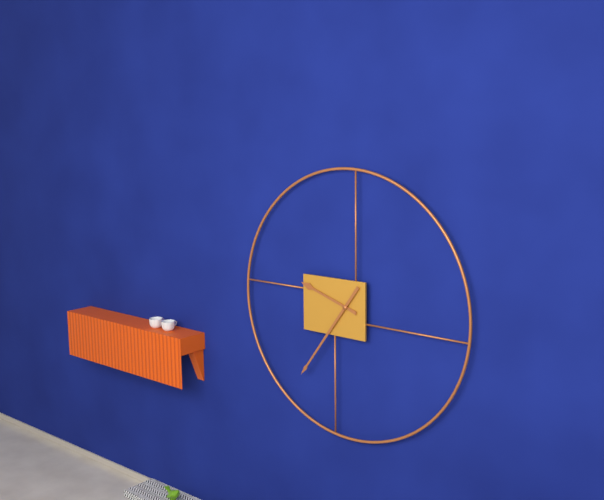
9,36
